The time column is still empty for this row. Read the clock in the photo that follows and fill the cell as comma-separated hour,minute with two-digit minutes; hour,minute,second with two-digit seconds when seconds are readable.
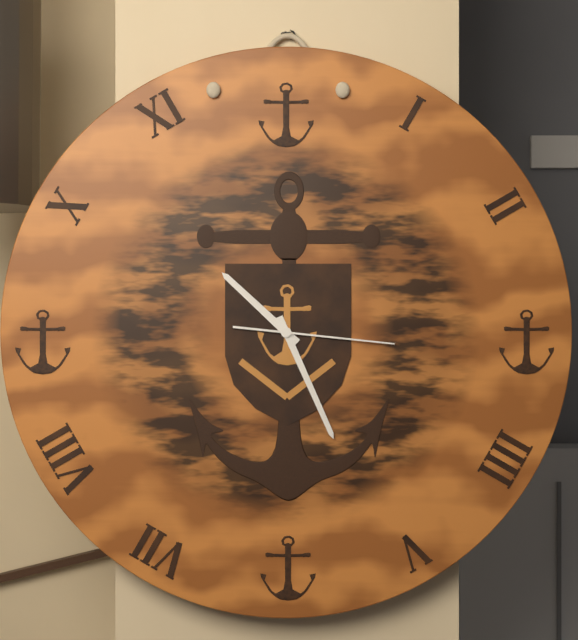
10,26,16
